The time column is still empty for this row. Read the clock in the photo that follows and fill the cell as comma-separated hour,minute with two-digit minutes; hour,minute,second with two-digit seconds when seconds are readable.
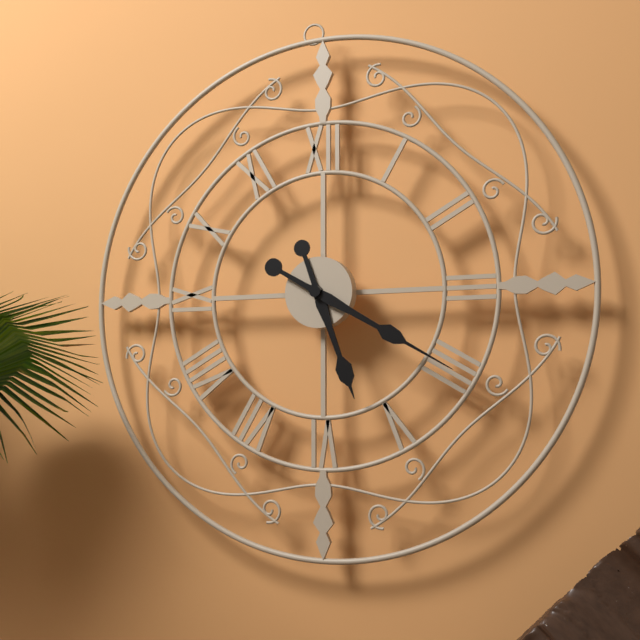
5,20
